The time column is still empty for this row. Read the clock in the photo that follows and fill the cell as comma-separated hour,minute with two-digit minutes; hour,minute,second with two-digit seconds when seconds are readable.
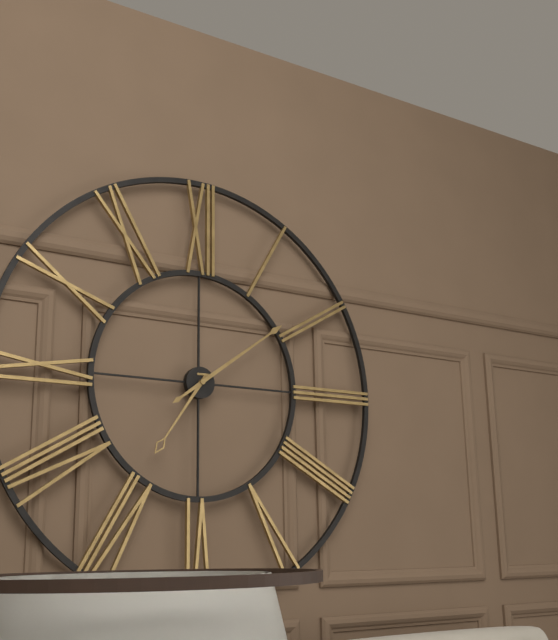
7,09
